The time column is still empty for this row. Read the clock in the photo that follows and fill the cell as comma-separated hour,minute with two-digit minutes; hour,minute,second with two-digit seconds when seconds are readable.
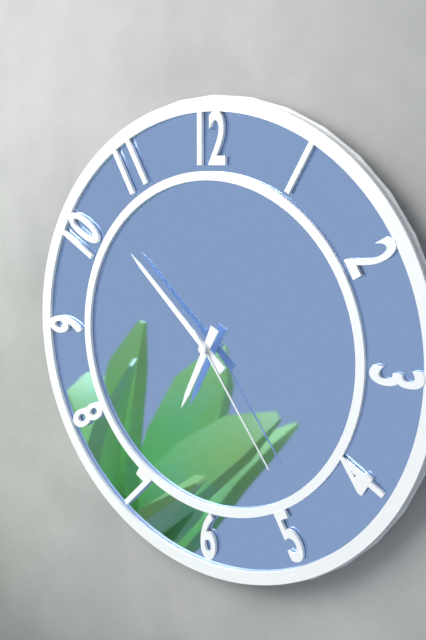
6,52,24
